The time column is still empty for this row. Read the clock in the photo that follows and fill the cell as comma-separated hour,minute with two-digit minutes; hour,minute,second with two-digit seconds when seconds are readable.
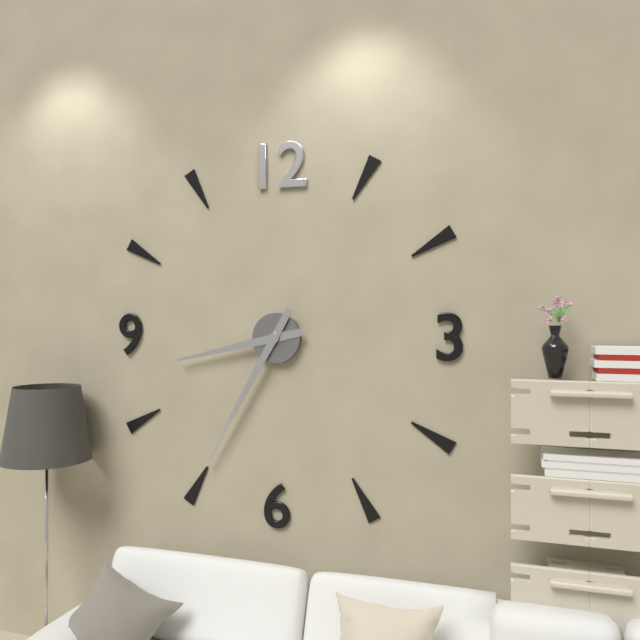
8,35
